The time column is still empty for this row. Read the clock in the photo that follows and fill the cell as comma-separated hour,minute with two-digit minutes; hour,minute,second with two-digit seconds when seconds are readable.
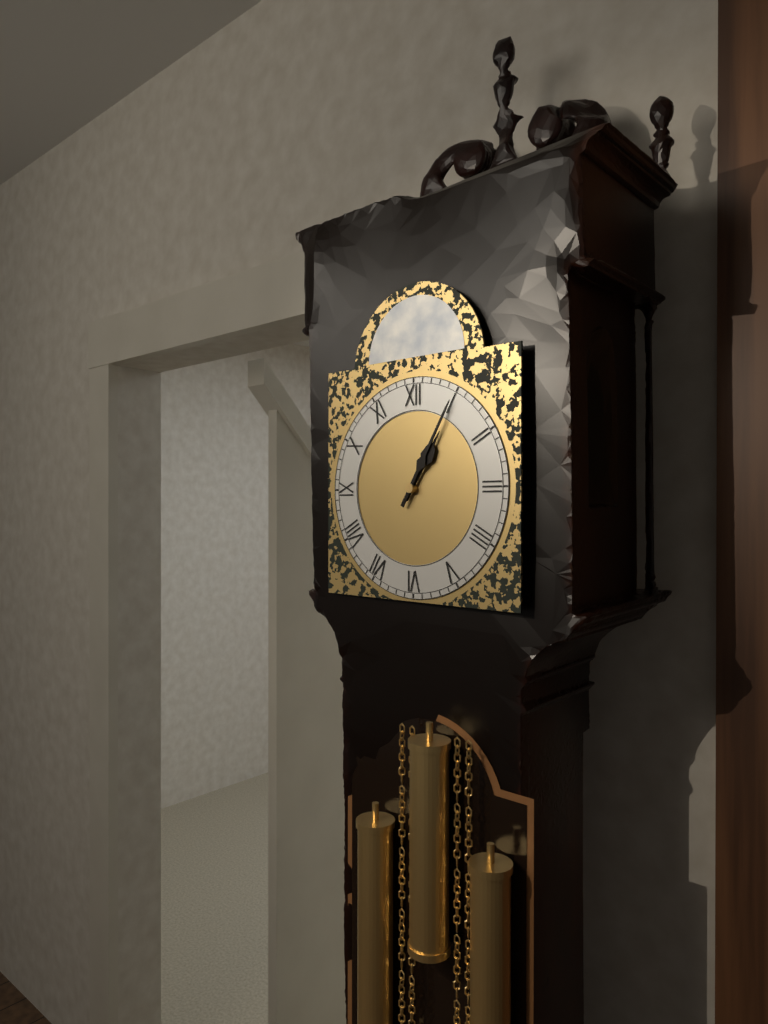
1,05
